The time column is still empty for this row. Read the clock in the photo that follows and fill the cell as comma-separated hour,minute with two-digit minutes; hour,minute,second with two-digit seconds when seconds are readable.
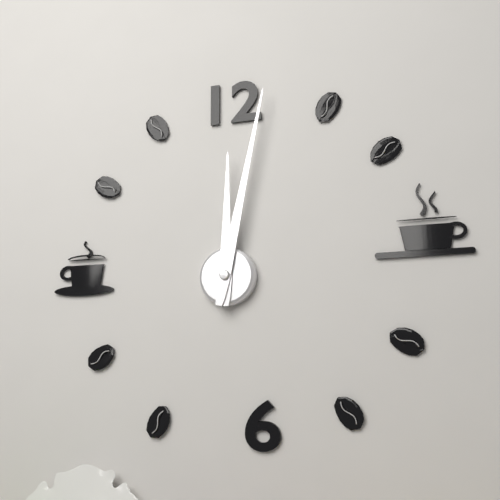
12,02
